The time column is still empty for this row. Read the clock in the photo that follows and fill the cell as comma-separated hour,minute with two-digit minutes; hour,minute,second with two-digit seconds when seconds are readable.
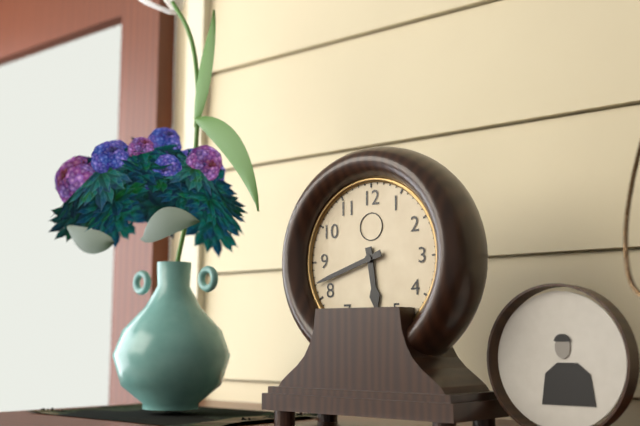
5,42
